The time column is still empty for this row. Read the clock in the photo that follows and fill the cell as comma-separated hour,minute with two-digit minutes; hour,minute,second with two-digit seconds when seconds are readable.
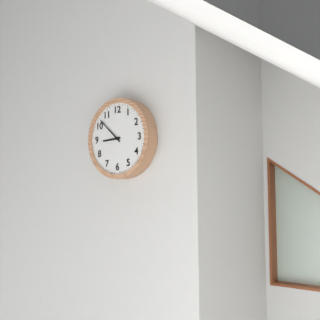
8,52
